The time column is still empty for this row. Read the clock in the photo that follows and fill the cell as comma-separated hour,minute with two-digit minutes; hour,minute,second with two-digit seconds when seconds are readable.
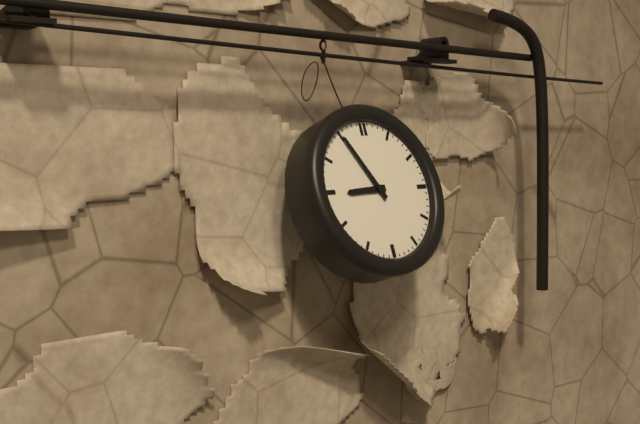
8,55
